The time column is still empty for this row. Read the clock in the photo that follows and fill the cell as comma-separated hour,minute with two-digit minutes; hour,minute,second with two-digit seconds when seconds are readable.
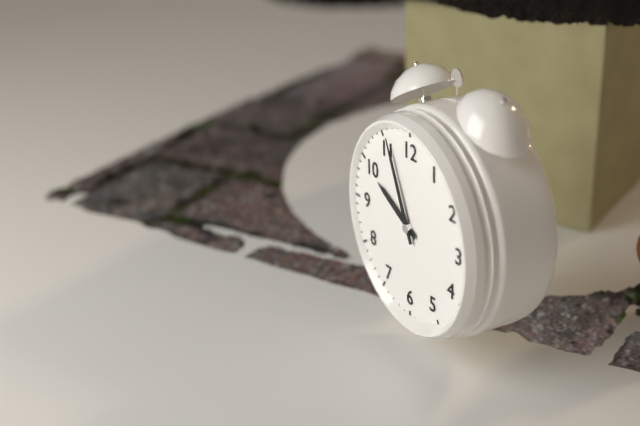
9,56
